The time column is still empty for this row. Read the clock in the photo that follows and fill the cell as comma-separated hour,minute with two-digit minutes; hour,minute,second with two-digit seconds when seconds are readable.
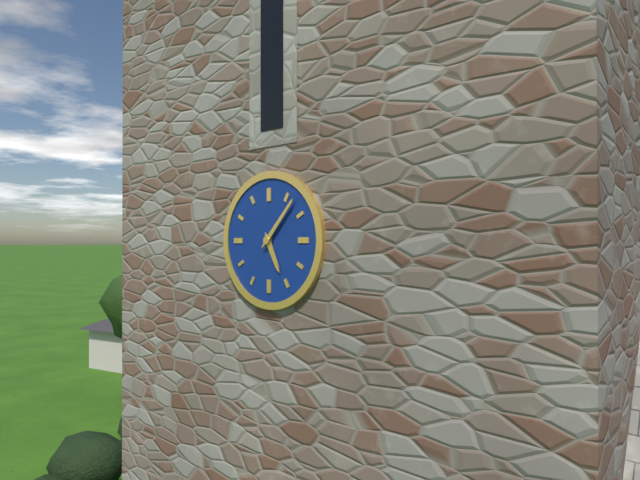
5,07
